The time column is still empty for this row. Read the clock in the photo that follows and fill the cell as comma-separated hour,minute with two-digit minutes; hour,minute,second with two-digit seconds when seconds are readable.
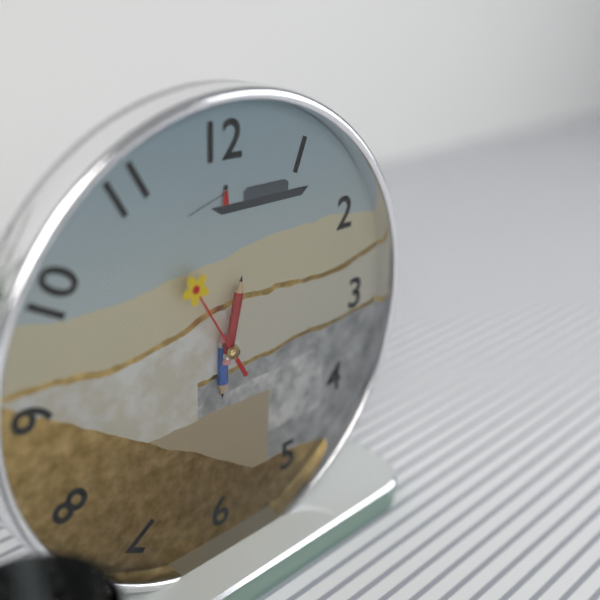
6,02,55
